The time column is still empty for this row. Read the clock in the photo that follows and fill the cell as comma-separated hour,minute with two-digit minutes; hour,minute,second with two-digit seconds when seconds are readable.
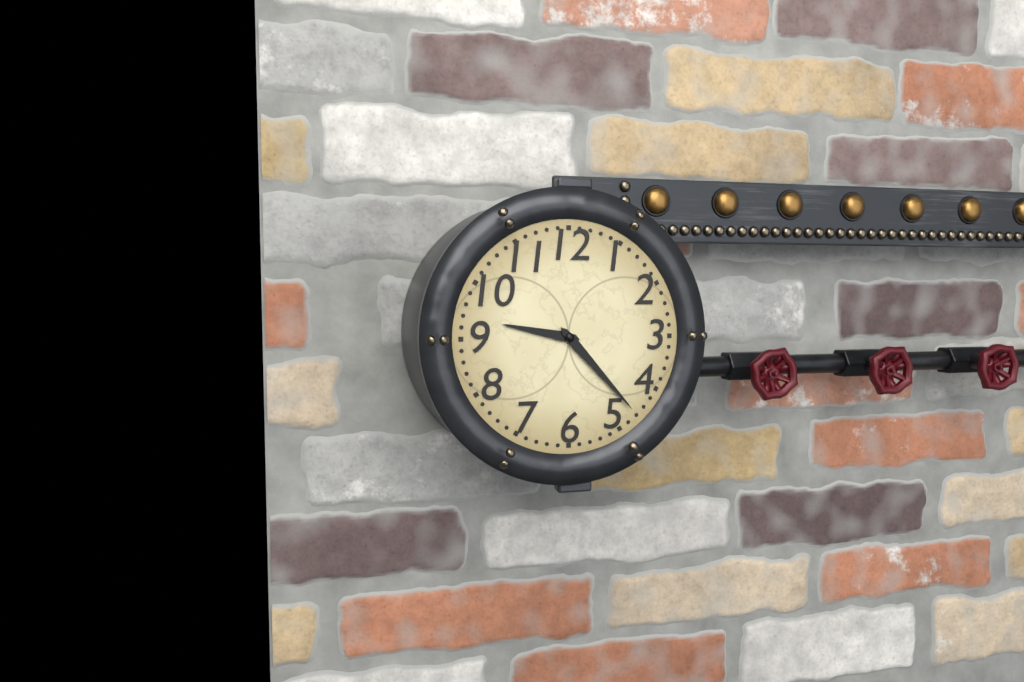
9,23
